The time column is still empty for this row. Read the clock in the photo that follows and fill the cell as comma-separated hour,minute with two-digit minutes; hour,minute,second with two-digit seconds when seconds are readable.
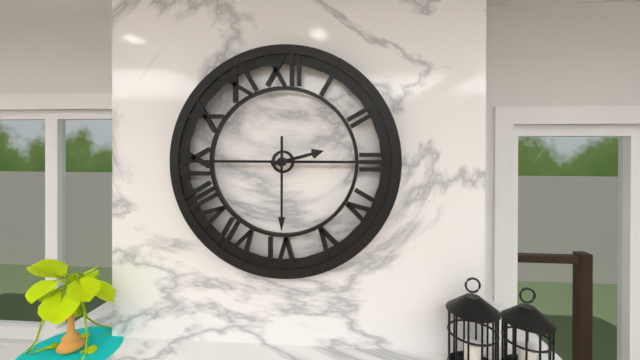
2,30
